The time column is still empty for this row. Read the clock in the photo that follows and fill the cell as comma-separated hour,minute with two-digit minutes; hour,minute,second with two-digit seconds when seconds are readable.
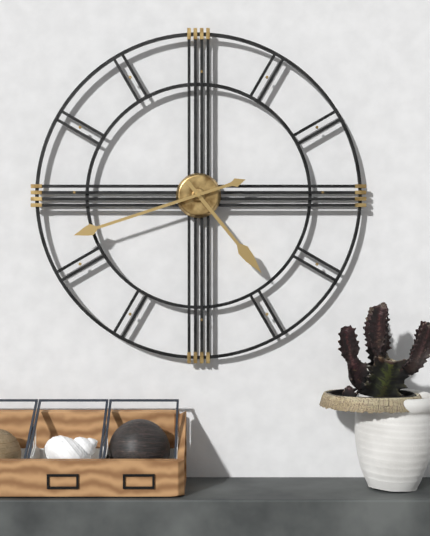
4,42
